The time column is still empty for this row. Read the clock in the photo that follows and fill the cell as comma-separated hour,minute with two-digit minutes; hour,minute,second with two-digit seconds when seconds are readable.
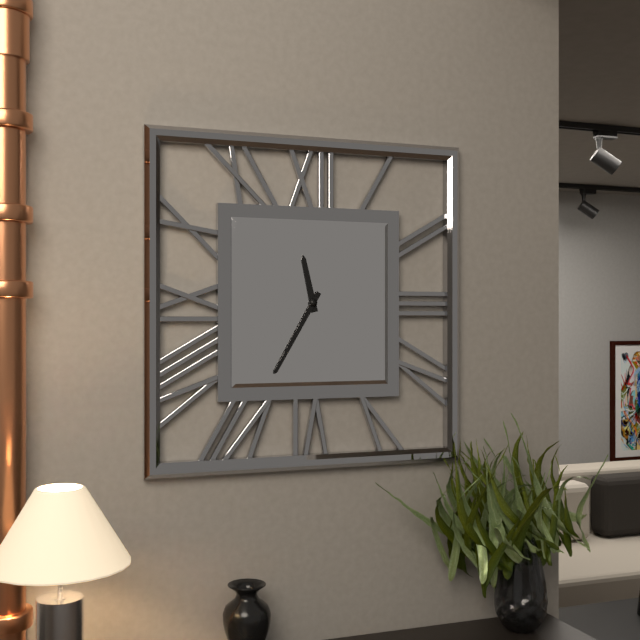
11,35
